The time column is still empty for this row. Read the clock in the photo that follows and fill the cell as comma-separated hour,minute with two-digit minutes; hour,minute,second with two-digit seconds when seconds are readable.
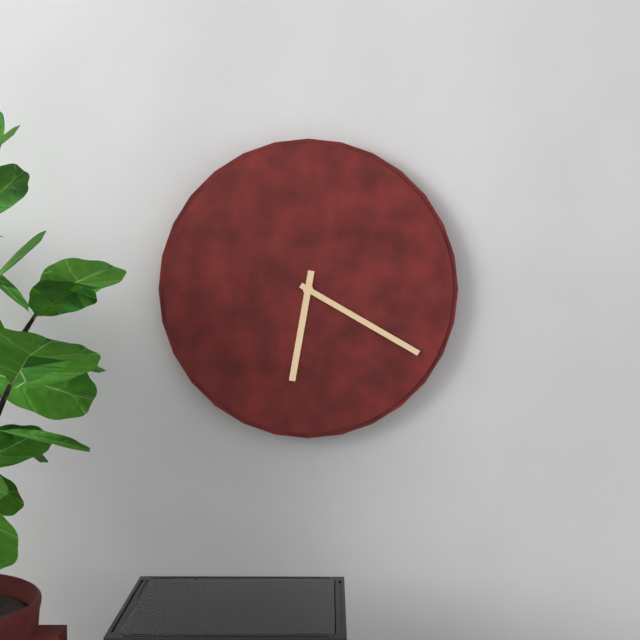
6,20
